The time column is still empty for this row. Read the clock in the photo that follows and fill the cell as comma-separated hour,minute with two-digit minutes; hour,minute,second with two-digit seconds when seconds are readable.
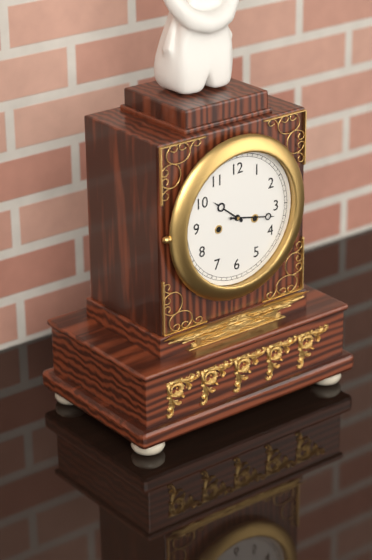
10,17
